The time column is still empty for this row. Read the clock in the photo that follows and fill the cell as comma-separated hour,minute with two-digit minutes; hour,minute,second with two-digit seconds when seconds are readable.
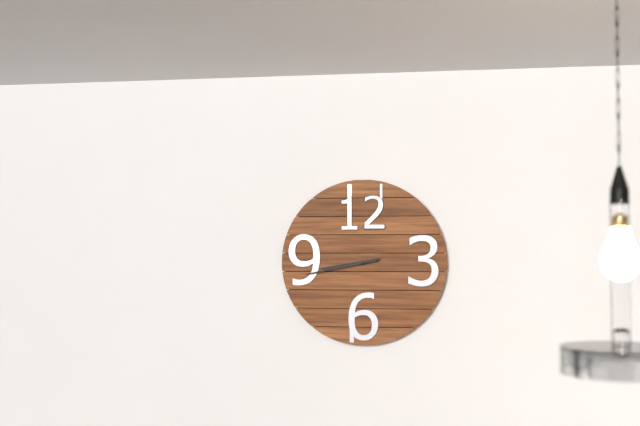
8,43
